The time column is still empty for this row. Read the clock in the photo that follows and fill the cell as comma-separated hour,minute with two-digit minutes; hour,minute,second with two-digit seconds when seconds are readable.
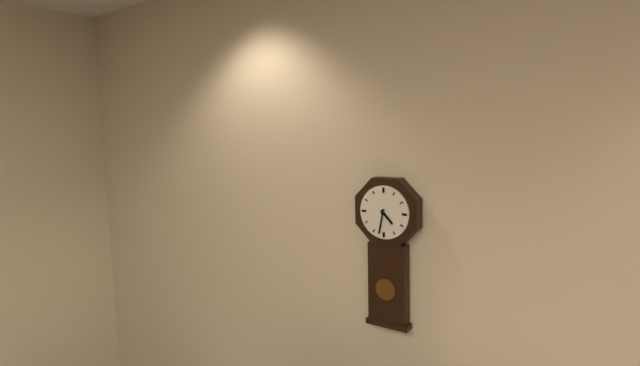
4,32
